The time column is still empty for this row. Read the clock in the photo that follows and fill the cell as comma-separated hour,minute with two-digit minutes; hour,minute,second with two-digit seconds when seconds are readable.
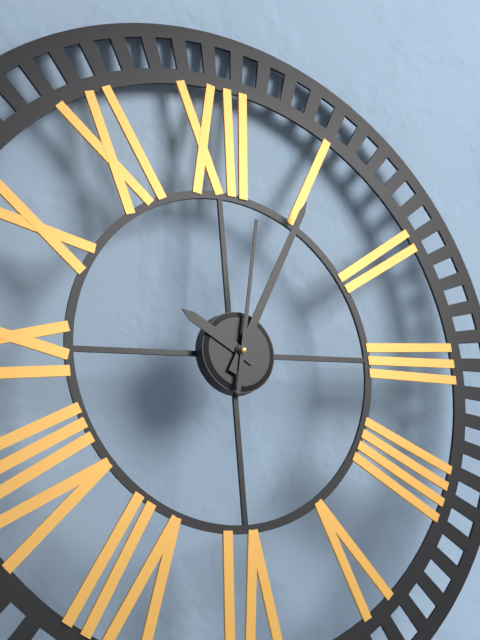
10,05,02
